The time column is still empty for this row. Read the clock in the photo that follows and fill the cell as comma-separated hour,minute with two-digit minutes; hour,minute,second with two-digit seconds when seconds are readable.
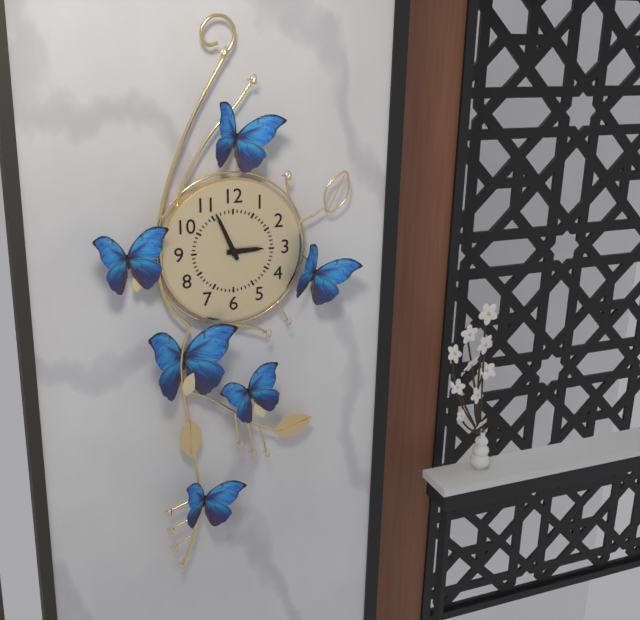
2,56
